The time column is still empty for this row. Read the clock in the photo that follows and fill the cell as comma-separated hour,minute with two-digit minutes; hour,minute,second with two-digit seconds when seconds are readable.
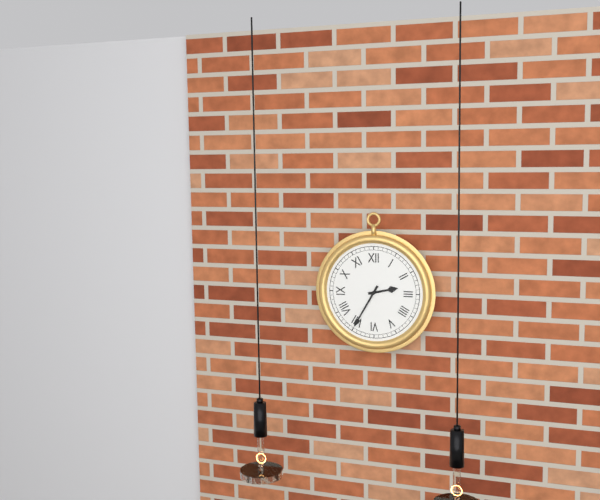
2,35
